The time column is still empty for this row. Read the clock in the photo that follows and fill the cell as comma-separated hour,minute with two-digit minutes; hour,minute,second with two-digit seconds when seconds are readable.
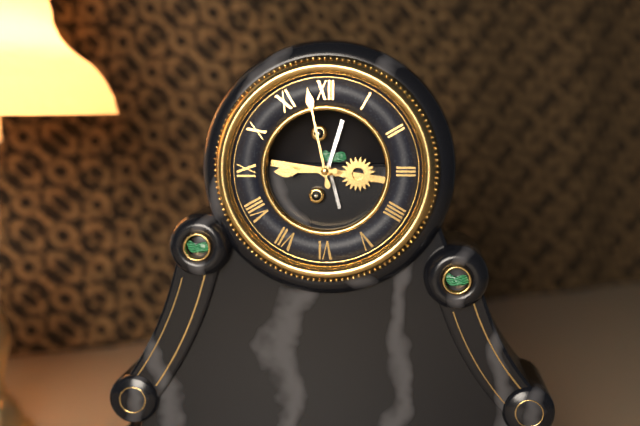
8,58
